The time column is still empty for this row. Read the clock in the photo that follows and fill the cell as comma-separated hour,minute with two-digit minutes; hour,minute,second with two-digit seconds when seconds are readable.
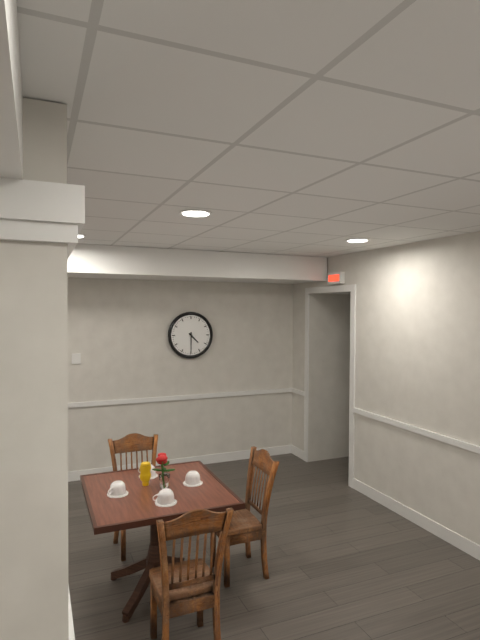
4,30
